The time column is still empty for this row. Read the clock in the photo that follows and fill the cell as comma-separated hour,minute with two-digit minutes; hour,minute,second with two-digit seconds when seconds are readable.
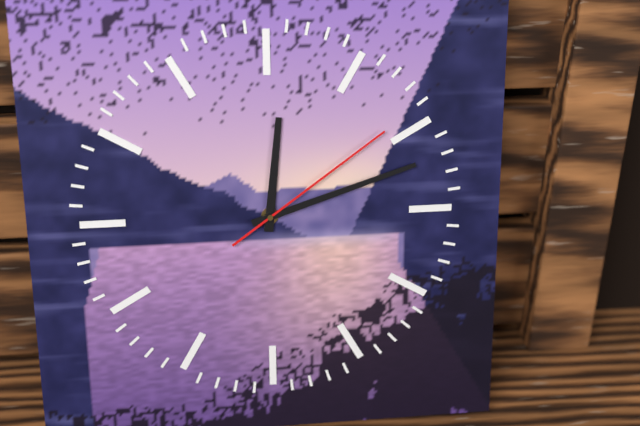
12,12,09
